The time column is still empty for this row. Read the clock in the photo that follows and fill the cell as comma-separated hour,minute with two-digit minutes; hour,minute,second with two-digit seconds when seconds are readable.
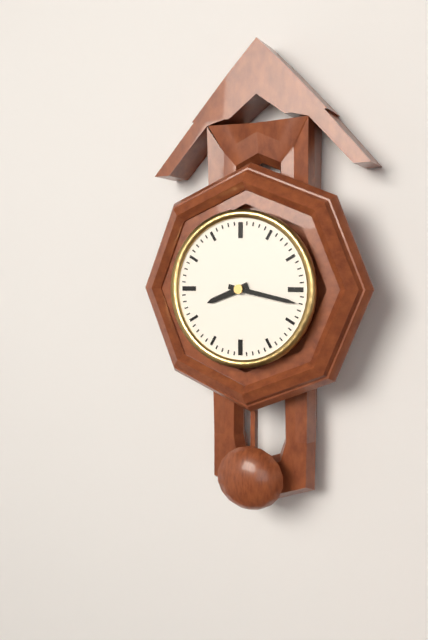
8,17
